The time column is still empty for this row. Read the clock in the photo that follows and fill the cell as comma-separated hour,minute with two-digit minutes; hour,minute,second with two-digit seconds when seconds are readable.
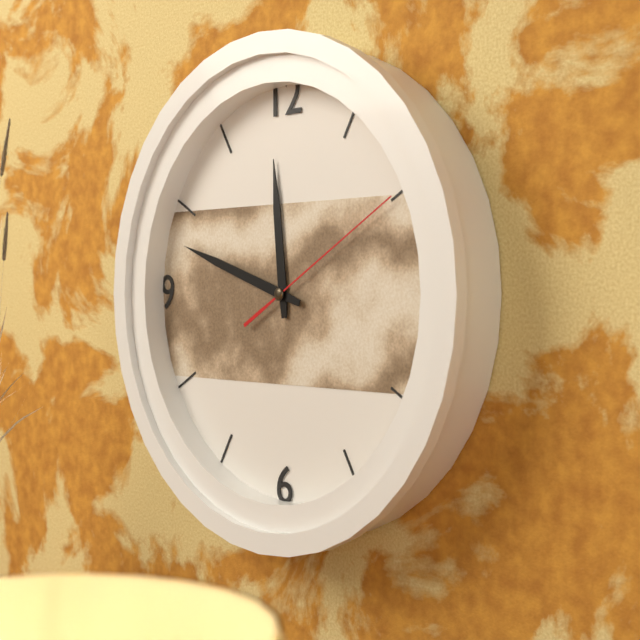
11,48,10
